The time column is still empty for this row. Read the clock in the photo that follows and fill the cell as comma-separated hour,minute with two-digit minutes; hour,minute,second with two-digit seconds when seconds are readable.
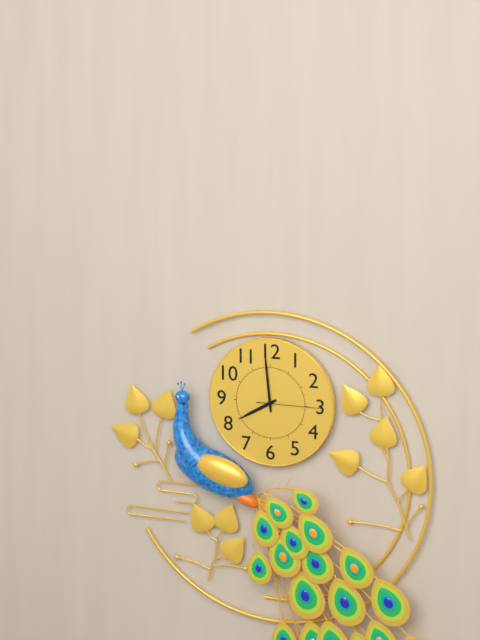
7,59,15
